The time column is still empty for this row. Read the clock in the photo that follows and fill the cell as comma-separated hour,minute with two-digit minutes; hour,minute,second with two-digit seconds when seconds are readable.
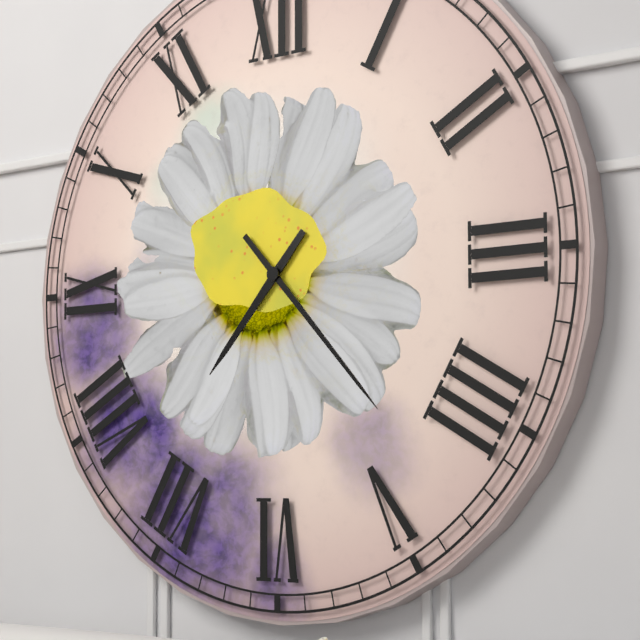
7,23
